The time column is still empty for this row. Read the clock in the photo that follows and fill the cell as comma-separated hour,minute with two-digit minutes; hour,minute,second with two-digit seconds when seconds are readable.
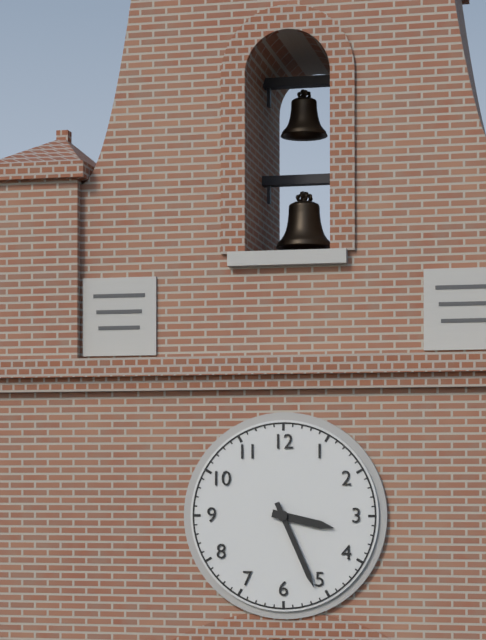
3,26
